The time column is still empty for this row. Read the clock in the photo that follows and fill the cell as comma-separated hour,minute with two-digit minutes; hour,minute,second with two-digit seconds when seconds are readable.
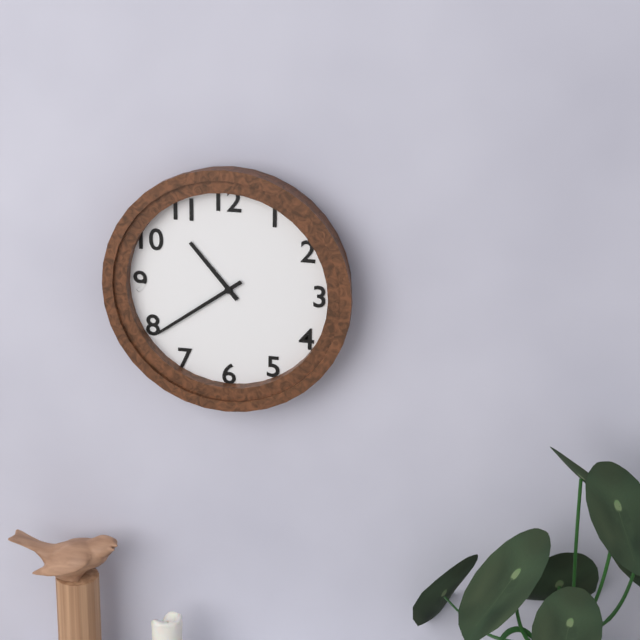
10,39
